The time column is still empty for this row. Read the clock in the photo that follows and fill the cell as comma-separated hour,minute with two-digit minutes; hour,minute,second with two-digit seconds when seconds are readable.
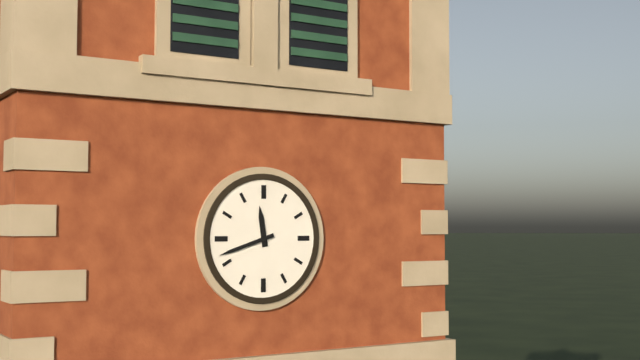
11,42
